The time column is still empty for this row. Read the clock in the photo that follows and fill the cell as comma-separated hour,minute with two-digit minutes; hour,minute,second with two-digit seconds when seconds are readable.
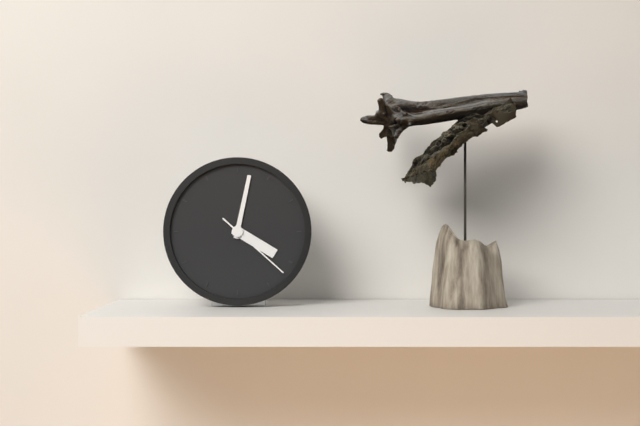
4,02,22
